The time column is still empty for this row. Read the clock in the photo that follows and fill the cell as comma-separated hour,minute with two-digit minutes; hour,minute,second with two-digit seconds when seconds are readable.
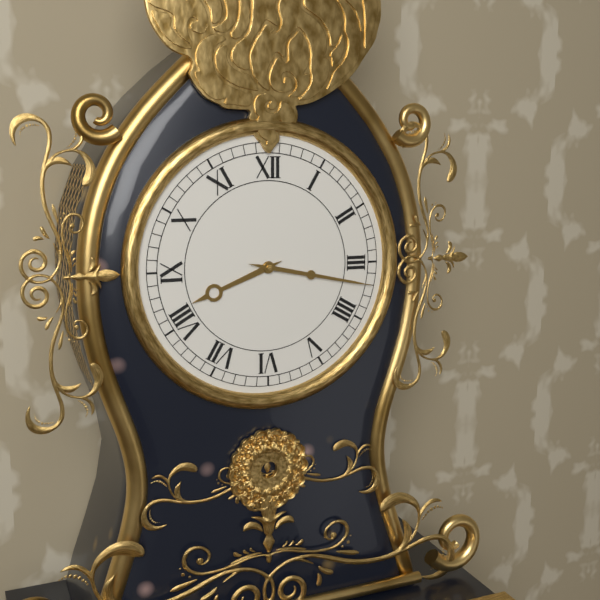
8,17
